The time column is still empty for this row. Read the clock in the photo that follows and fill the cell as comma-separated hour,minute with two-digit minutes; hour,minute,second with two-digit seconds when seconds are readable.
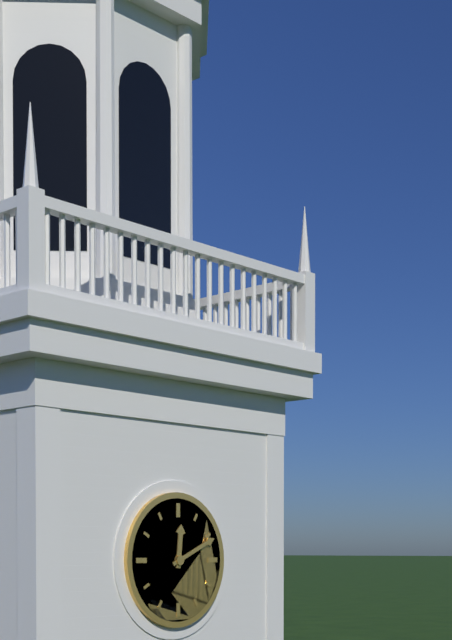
12,11
